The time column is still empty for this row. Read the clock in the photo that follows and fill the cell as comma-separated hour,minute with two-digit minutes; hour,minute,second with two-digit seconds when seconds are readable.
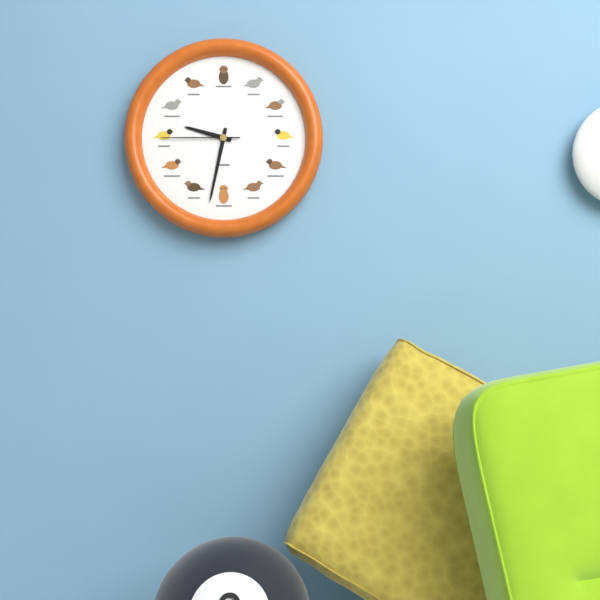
9,32,45
